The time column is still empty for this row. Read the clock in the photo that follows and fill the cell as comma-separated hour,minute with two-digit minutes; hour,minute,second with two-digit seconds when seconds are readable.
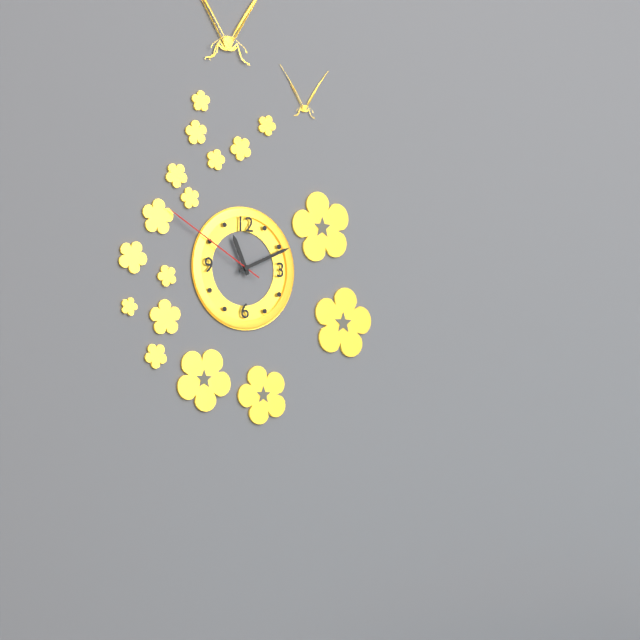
11,11,50
